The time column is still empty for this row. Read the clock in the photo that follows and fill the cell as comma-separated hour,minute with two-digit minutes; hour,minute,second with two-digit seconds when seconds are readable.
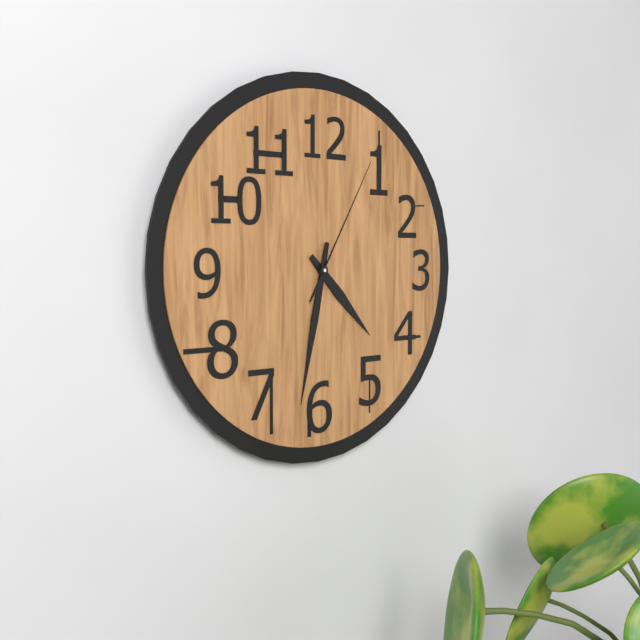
4,32,05
